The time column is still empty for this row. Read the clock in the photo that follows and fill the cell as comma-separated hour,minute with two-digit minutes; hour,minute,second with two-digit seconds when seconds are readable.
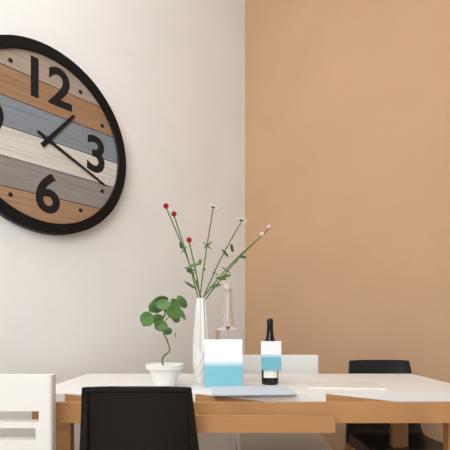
1,19
